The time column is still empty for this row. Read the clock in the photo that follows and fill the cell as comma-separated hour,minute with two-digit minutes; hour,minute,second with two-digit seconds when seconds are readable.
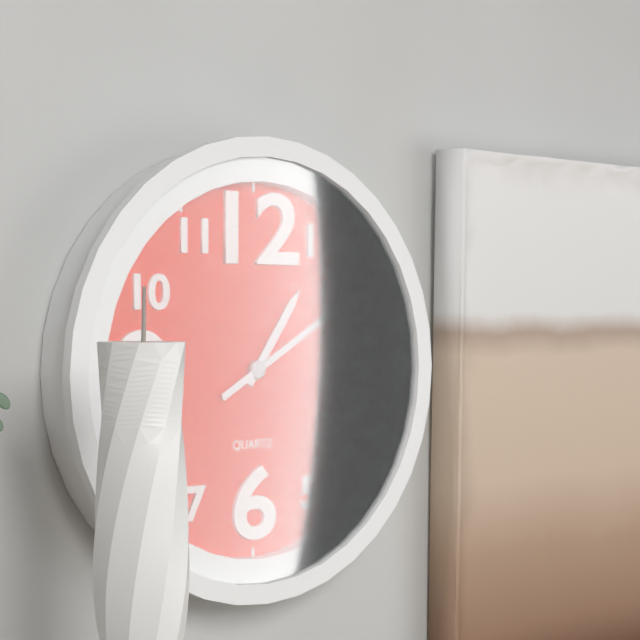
1,10
